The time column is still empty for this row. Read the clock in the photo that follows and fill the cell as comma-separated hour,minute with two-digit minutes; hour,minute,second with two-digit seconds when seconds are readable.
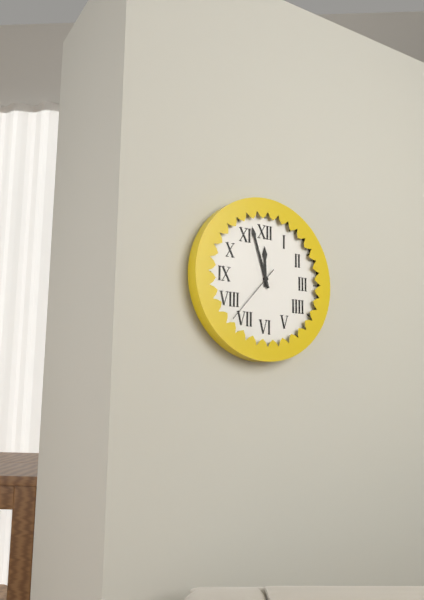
11,57,37
